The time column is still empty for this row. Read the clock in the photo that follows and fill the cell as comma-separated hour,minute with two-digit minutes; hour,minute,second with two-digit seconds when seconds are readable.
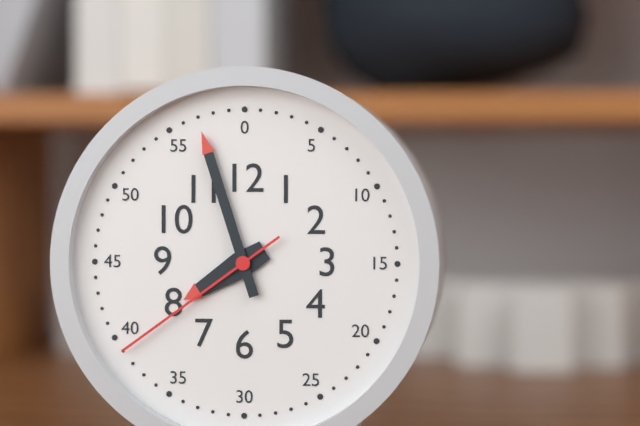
7,57,39
